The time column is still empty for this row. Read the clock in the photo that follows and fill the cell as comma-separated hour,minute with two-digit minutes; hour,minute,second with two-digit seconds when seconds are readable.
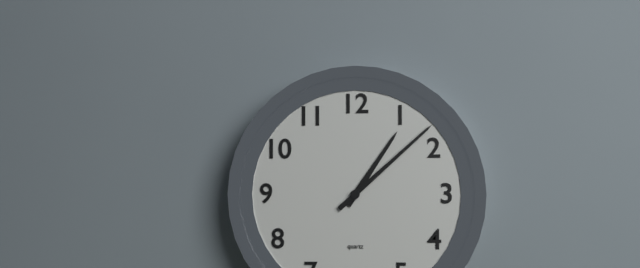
1,08
